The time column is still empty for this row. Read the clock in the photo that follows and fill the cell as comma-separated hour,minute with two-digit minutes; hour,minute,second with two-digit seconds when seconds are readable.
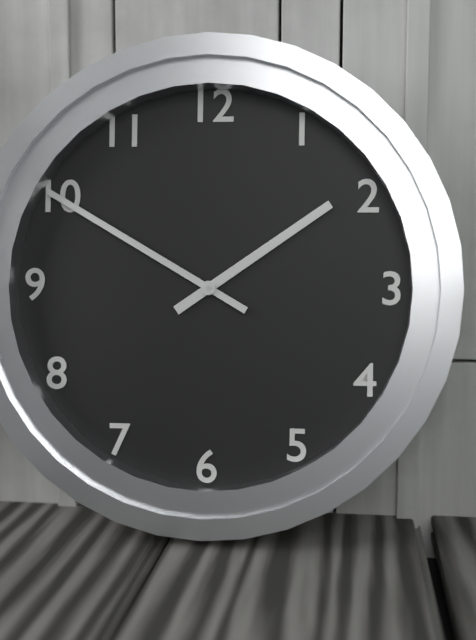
1,50
